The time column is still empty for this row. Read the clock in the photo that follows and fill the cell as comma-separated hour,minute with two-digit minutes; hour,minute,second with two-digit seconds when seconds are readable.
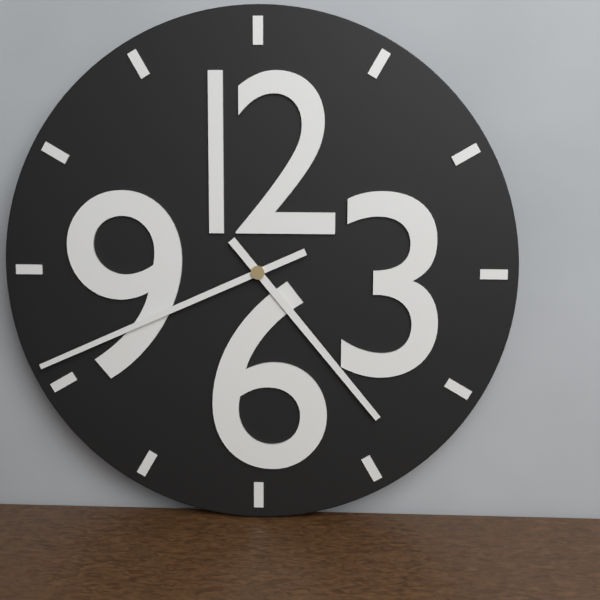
4,41
